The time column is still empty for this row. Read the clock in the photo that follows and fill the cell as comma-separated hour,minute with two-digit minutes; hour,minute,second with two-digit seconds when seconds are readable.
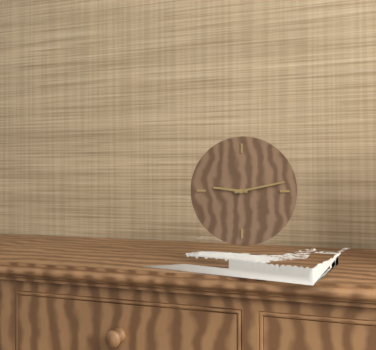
9,13
